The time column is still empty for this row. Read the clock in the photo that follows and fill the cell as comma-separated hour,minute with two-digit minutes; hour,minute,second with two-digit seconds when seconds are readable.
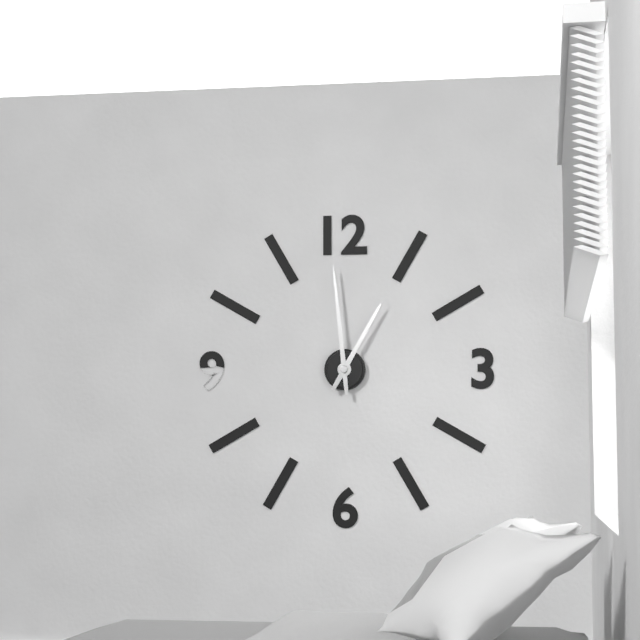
12,59
